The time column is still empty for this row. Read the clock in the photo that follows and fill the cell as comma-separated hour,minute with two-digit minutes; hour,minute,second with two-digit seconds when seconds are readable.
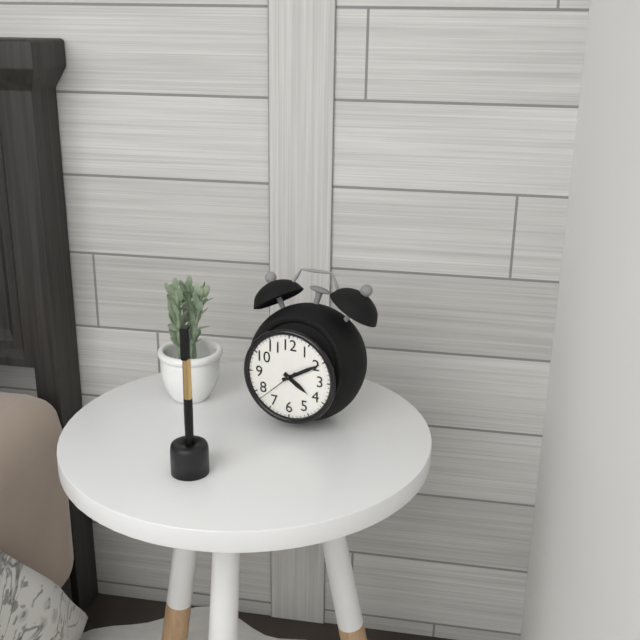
4,10
